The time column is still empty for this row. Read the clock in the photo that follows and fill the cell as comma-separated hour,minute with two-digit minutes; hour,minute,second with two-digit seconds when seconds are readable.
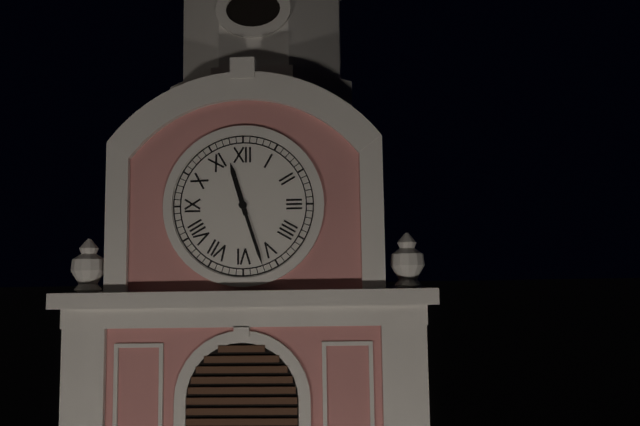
11,27
